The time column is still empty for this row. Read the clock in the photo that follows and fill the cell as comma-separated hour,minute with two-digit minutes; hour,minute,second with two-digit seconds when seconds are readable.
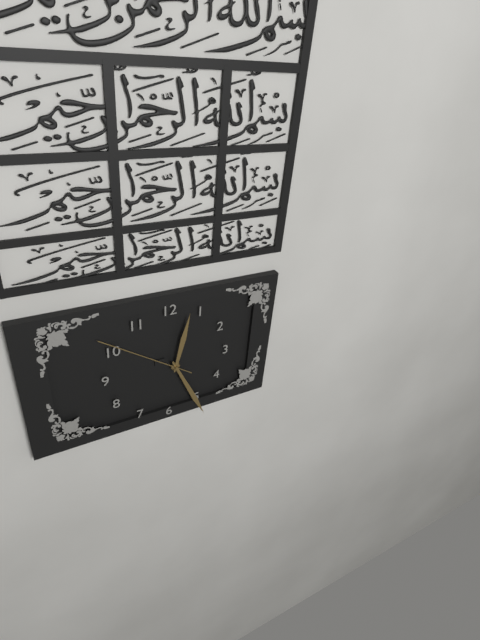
12,26,51
